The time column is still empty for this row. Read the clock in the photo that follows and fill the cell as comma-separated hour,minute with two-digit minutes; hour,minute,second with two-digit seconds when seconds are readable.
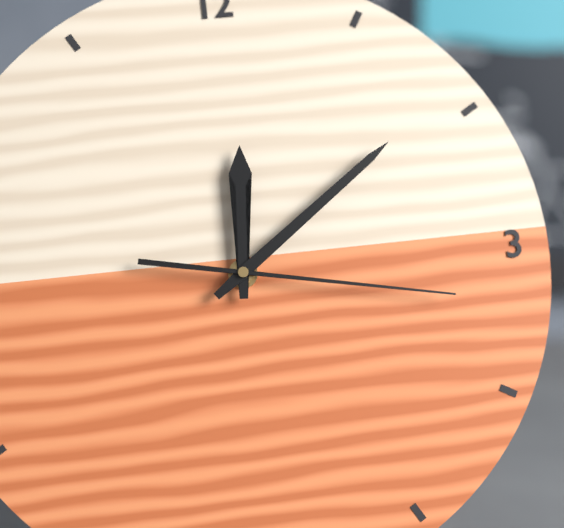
12,09,17
